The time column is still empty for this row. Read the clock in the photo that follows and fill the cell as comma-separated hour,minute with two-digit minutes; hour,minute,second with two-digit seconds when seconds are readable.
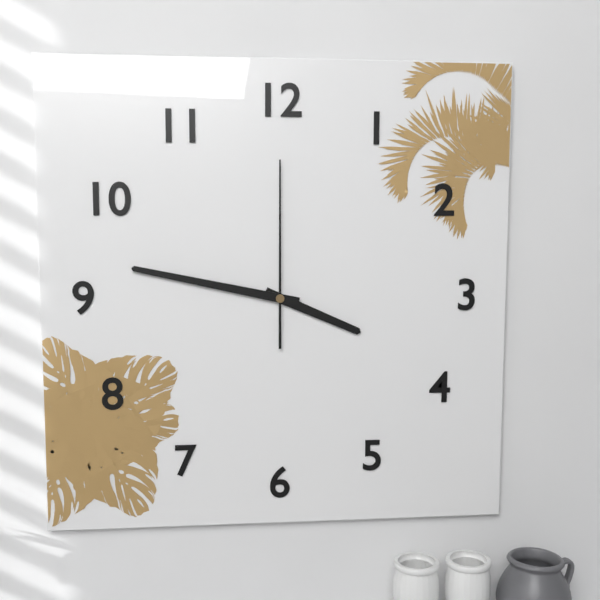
3,47,00
